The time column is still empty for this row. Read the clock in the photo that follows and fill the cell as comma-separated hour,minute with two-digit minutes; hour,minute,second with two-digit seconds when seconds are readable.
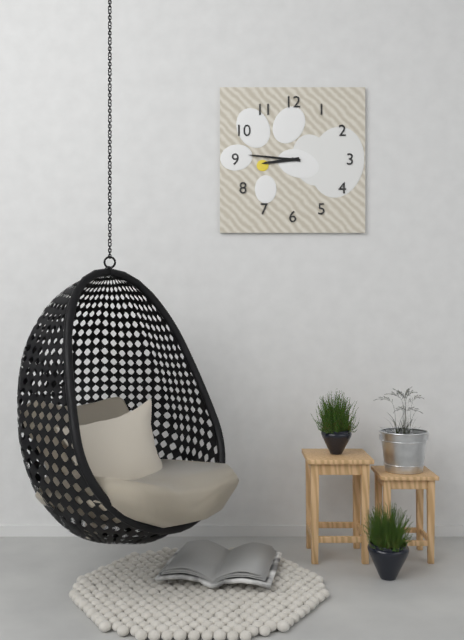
8,46
